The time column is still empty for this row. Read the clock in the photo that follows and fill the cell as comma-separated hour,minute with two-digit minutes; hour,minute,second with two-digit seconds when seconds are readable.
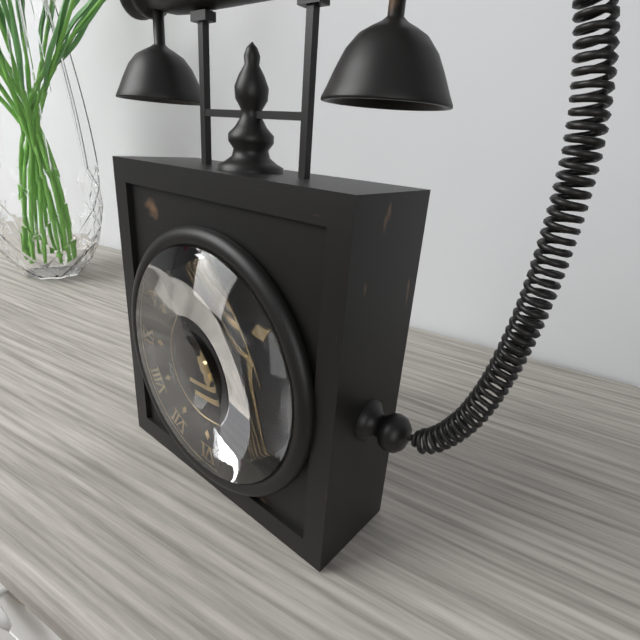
3,57
